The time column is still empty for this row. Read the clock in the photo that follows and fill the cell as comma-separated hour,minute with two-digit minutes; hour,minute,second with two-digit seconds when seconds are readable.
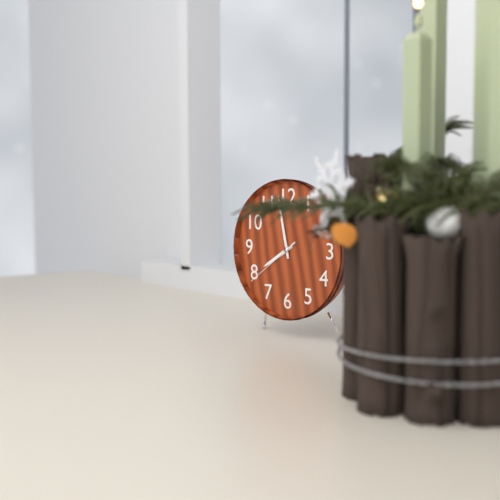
7,58,39
